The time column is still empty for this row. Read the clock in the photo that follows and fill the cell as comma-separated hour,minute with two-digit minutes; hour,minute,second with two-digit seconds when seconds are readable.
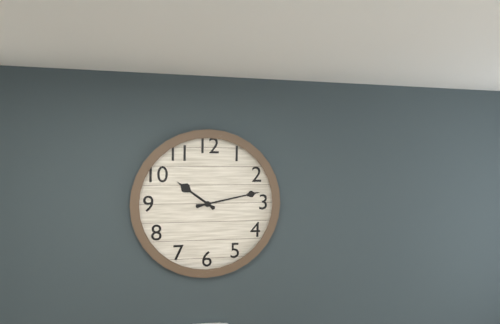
10,13
